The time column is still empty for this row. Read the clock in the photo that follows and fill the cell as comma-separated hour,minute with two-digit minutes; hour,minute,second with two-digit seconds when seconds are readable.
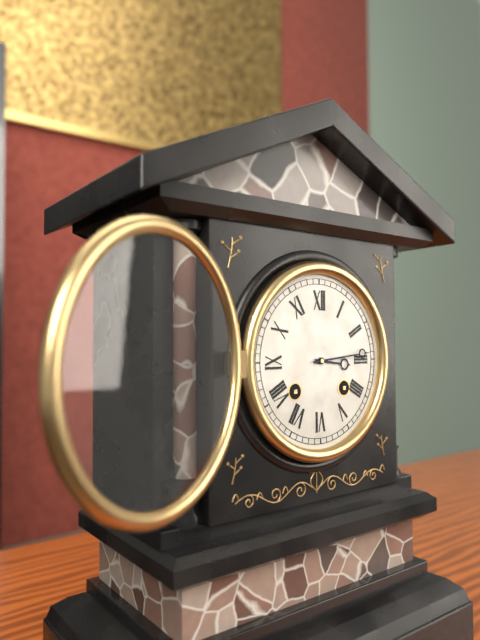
3,14
